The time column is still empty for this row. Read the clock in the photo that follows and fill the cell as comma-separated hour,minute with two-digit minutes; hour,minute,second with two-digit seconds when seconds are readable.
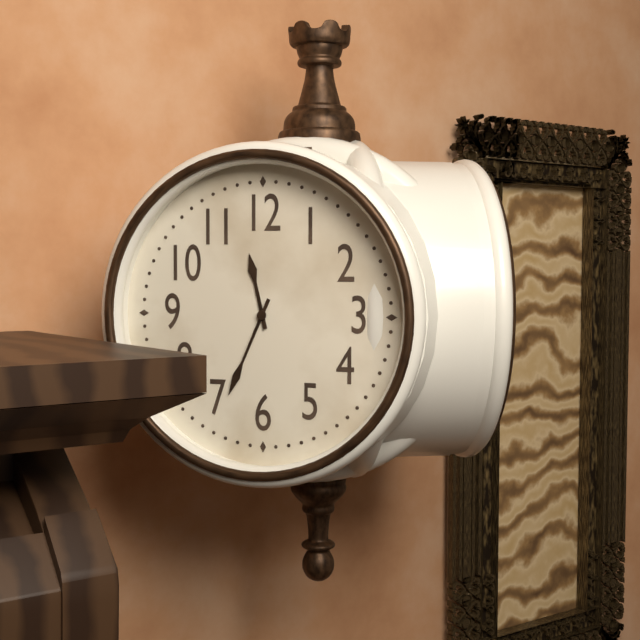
11,34
